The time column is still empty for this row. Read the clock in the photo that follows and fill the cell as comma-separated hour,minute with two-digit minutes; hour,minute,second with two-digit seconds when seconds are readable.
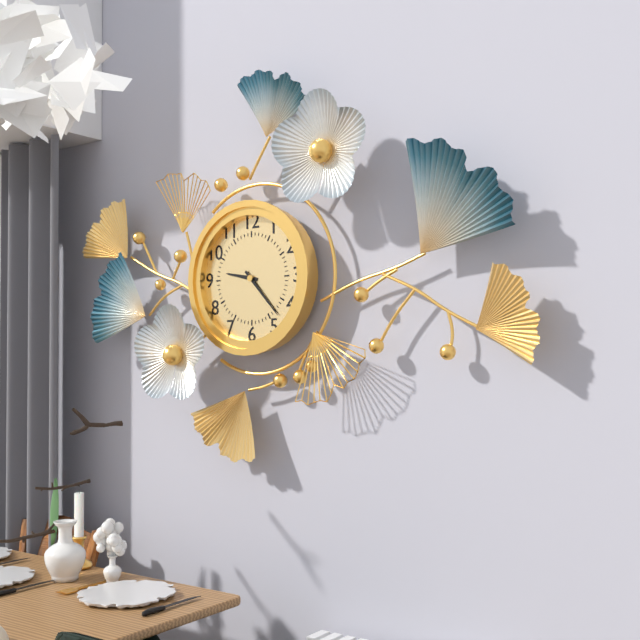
9,23
